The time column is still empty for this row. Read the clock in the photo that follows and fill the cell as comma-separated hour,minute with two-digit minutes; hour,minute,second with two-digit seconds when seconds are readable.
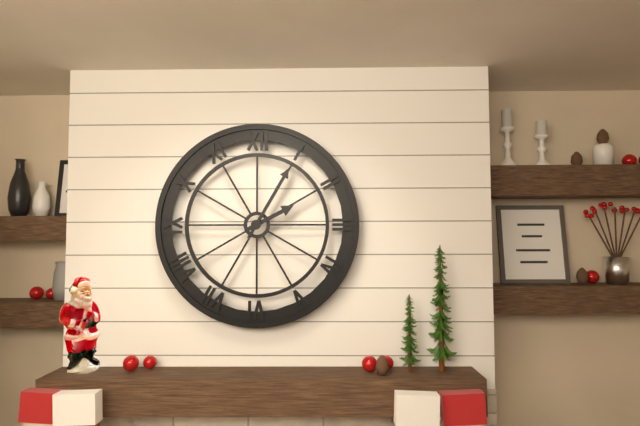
2,05
